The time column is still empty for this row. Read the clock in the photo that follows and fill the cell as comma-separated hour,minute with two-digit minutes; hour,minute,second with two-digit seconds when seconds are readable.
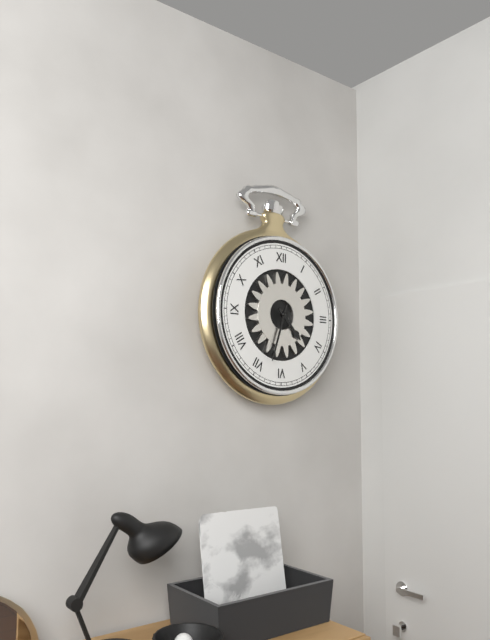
4,33
